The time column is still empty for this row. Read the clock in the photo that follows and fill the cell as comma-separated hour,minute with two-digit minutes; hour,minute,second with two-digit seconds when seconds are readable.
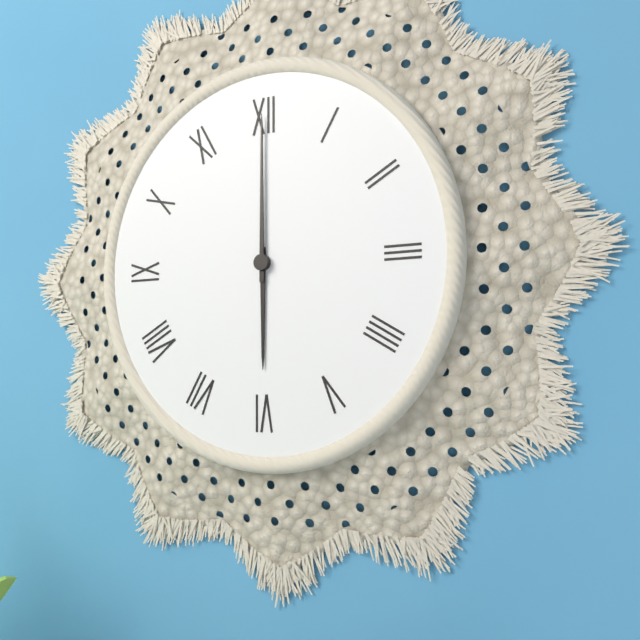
6,00
